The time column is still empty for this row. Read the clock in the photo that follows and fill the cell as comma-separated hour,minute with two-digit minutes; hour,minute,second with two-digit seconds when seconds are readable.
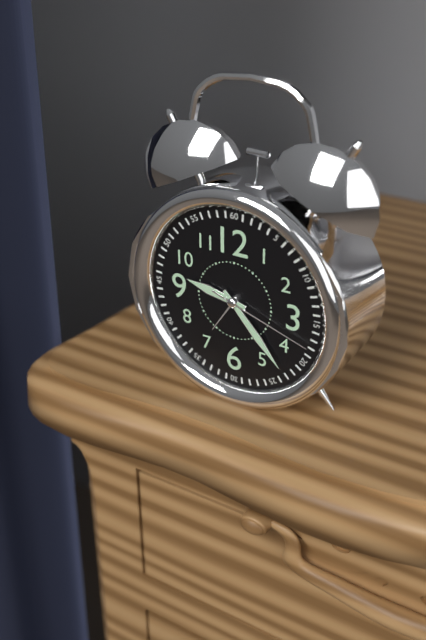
9,23,18
